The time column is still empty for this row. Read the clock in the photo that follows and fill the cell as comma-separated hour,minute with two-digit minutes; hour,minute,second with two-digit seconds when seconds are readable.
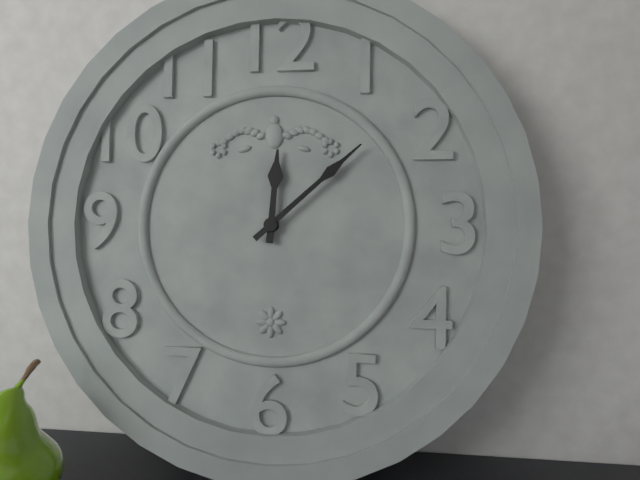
12,08
